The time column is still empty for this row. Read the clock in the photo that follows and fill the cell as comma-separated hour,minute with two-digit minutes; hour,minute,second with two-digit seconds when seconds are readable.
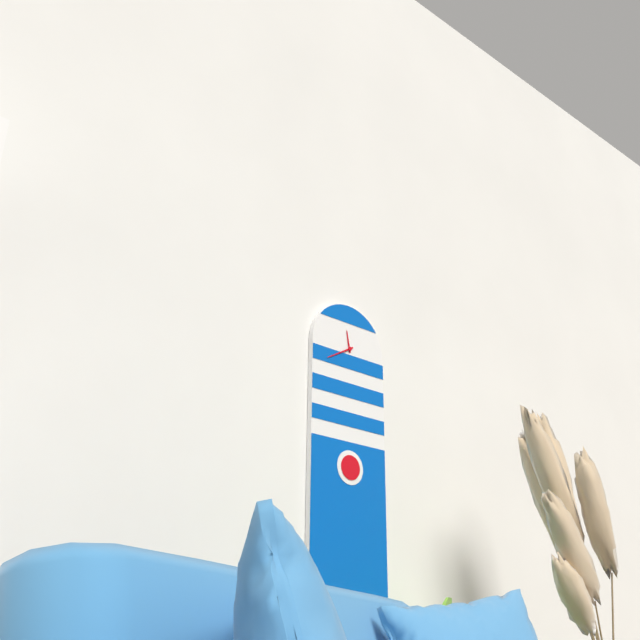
11,40
